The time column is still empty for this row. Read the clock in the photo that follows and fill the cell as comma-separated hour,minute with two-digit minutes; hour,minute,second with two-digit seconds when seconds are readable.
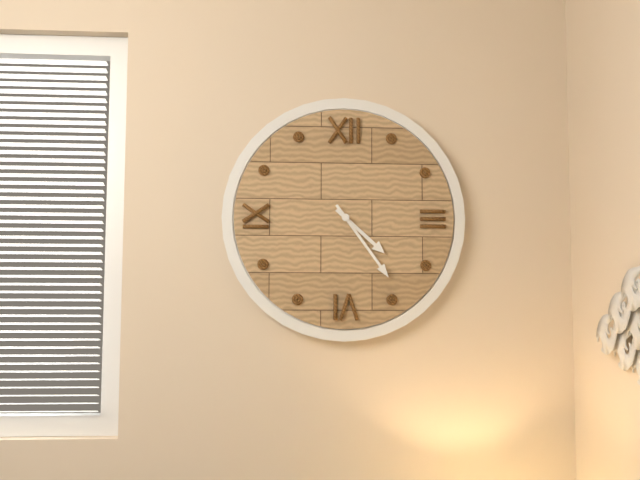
4,24
